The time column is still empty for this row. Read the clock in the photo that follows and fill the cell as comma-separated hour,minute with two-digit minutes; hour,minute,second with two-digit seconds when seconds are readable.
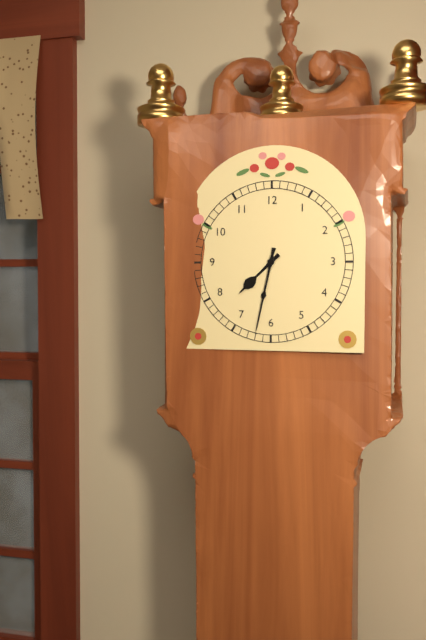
7,32
